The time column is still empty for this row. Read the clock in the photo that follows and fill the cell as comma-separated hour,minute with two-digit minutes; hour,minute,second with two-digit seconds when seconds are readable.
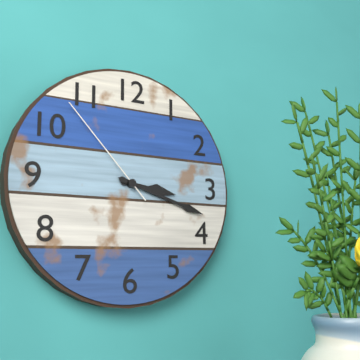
3,18,53
